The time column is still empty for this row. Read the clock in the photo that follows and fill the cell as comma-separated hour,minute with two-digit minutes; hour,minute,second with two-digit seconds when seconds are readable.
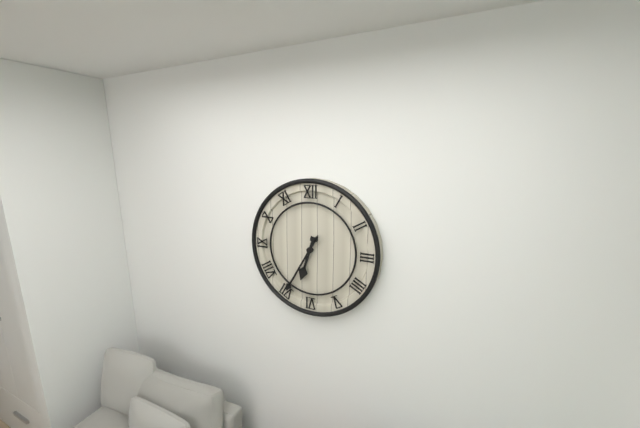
6,35
